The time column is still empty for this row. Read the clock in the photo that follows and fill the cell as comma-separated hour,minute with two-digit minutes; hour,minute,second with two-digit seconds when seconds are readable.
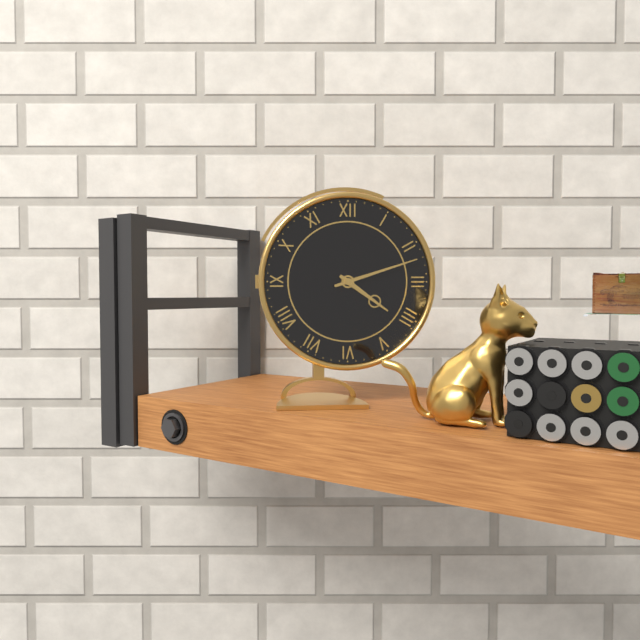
4,12
